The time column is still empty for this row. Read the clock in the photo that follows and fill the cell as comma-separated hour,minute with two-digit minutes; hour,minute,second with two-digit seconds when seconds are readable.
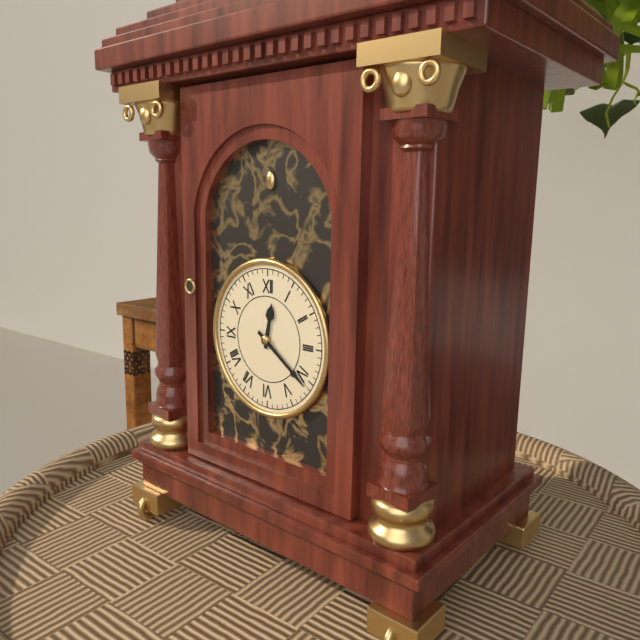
12,21
